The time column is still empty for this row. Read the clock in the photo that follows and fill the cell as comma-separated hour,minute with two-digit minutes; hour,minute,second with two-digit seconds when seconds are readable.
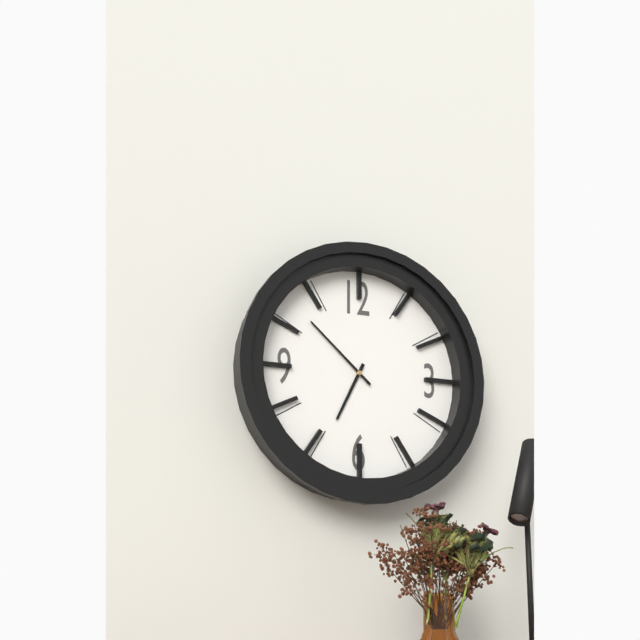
6,52
